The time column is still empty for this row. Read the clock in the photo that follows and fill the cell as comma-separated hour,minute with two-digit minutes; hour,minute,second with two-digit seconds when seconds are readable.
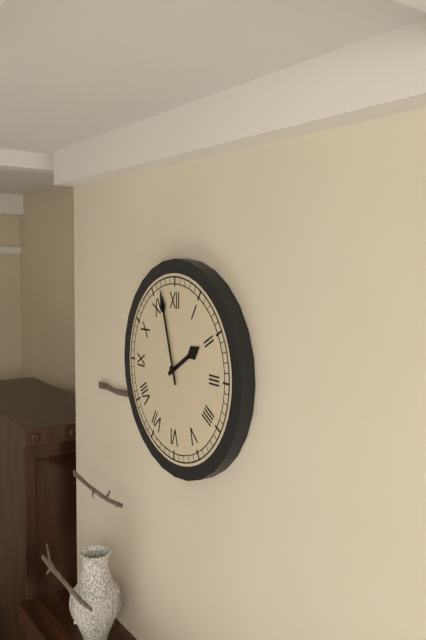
1,57
